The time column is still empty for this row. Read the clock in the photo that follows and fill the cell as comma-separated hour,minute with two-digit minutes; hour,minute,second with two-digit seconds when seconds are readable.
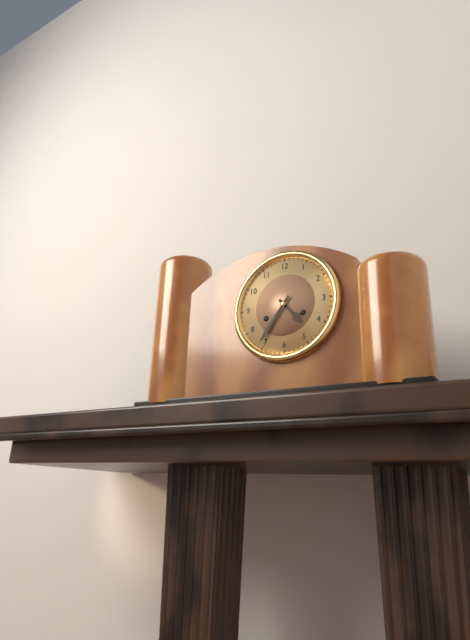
4,36
